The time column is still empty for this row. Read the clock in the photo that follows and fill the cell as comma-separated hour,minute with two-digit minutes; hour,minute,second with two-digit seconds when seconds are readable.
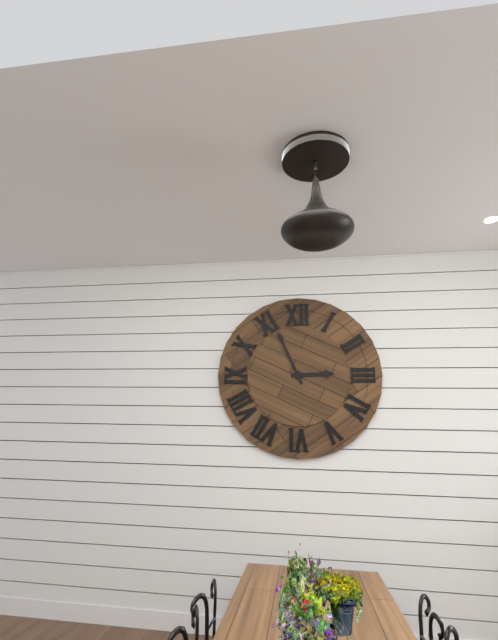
2,56
